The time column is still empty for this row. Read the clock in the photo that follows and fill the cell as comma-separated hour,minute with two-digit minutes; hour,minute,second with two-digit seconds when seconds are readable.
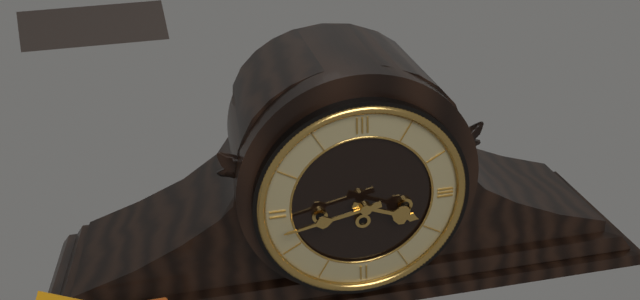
3,43
